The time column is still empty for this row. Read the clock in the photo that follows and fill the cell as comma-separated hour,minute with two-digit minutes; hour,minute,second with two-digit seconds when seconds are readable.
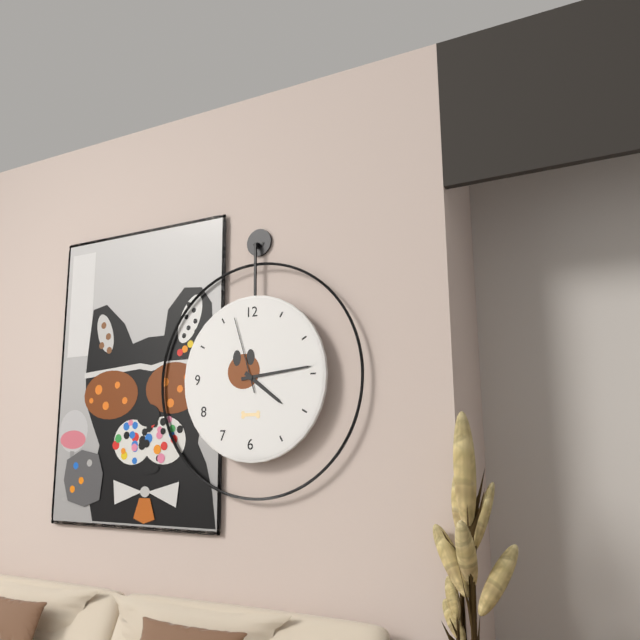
4,14,57
